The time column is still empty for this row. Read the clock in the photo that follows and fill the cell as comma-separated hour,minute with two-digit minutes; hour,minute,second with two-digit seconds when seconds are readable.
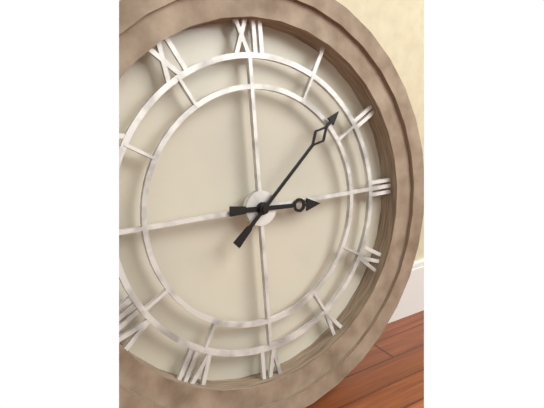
3,08
